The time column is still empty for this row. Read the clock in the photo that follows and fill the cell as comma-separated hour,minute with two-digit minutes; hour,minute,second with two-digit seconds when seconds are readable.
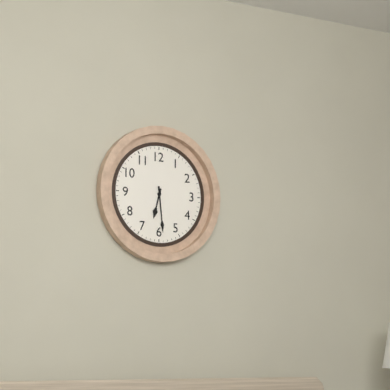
6,29
